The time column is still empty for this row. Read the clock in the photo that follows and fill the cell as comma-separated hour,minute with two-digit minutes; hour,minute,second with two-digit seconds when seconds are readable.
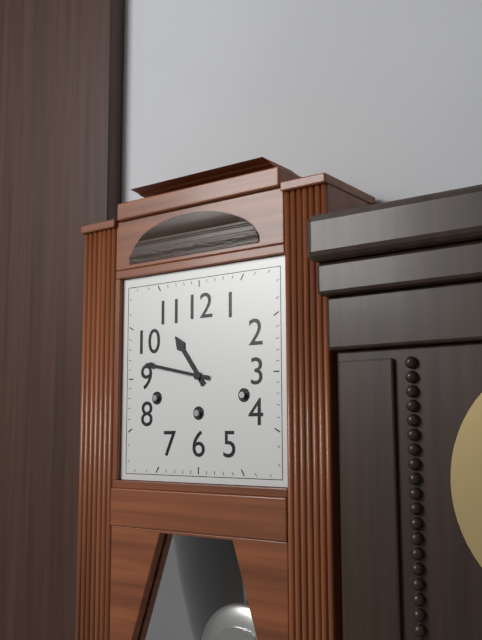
10,47
